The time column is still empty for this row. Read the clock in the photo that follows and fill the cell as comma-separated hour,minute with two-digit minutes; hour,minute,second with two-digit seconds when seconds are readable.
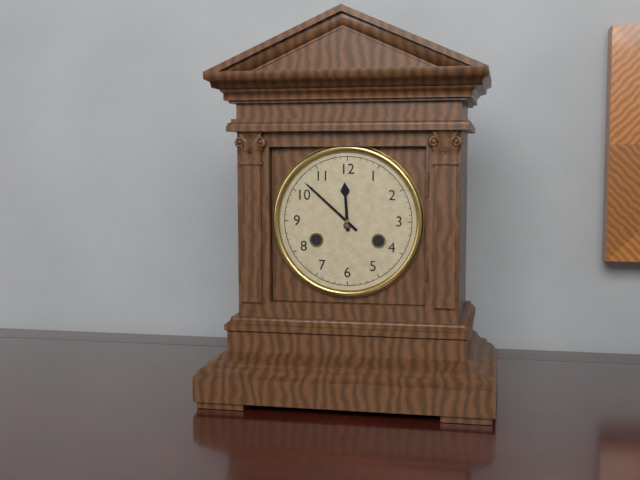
11,52
